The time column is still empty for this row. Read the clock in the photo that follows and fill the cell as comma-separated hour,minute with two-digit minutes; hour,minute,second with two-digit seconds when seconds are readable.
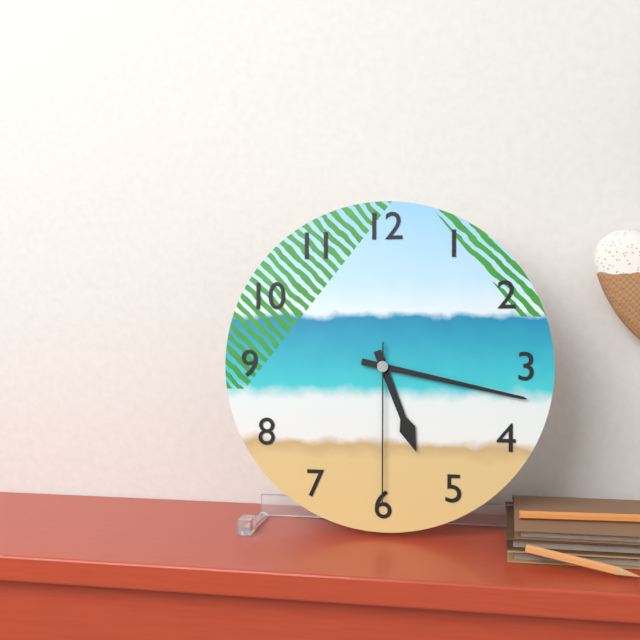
5,17,30
